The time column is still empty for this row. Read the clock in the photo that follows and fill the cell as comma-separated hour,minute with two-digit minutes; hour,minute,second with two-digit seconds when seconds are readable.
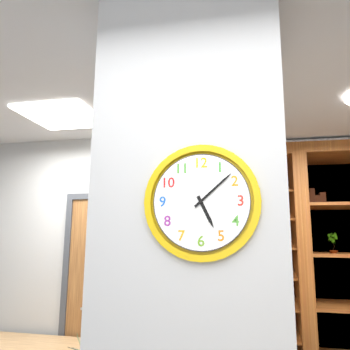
5,08
